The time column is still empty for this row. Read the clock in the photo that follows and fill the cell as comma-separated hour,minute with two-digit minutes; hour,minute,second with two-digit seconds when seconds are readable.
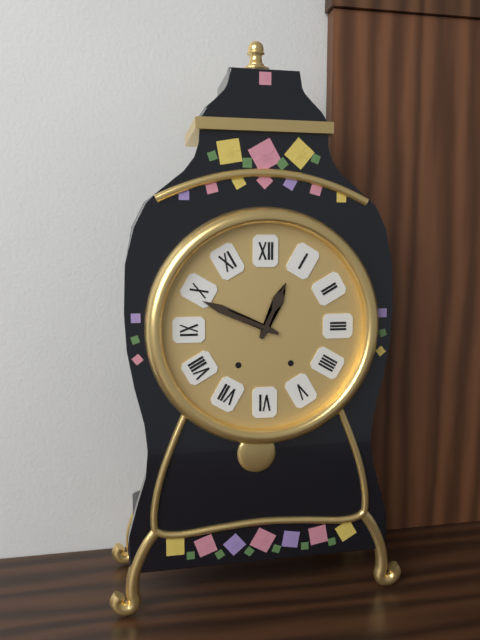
12,49
